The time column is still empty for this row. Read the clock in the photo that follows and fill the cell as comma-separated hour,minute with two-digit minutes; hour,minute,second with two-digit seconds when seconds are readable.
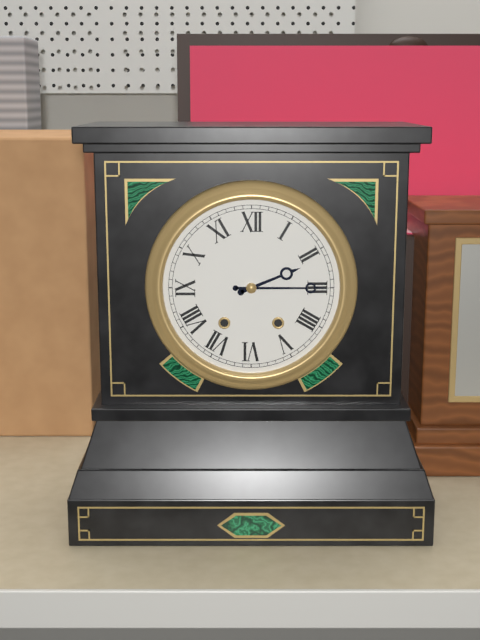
2,15
